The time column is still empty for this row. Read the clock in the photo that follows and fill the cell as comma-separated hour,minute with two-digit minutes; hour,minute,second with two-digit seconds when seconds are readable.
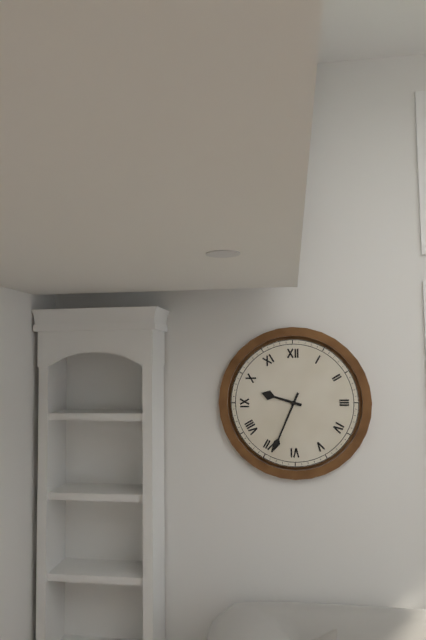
9,34
